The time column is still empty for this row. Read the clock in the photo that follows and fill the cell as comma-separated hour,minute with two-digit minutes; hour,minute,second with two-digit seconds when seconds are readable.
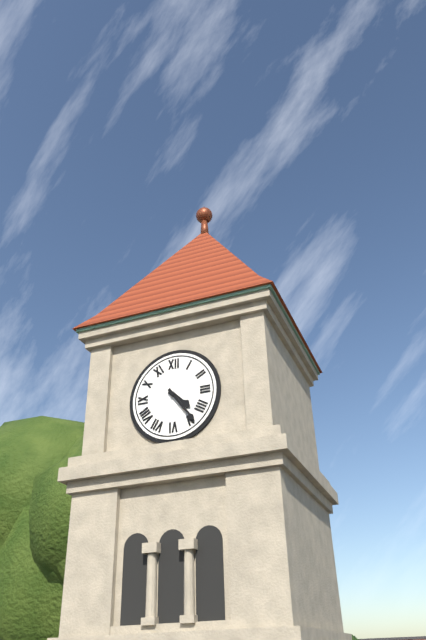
4,24
